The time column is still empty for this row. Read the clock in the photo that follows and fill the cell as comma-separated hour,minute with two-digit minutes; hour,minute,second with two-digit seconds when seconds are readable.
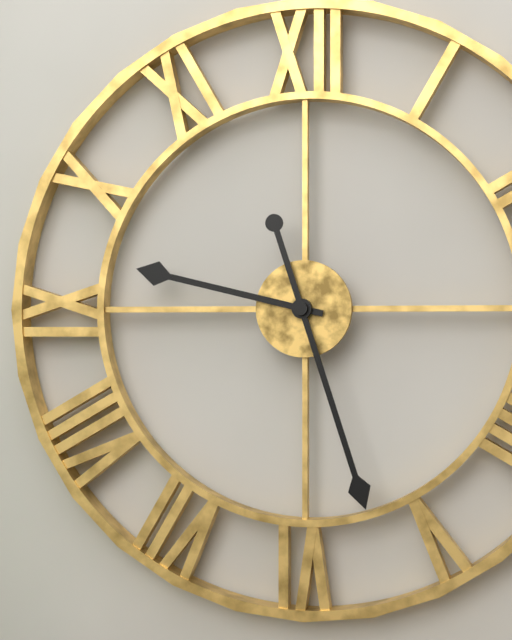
9,27
